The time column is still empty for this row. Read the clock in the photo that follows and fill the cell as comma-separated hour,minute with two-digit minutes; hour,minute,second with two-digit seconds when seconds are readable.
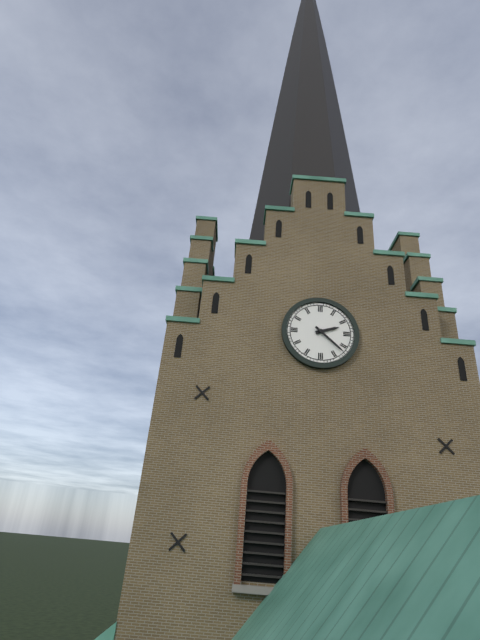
2,22
